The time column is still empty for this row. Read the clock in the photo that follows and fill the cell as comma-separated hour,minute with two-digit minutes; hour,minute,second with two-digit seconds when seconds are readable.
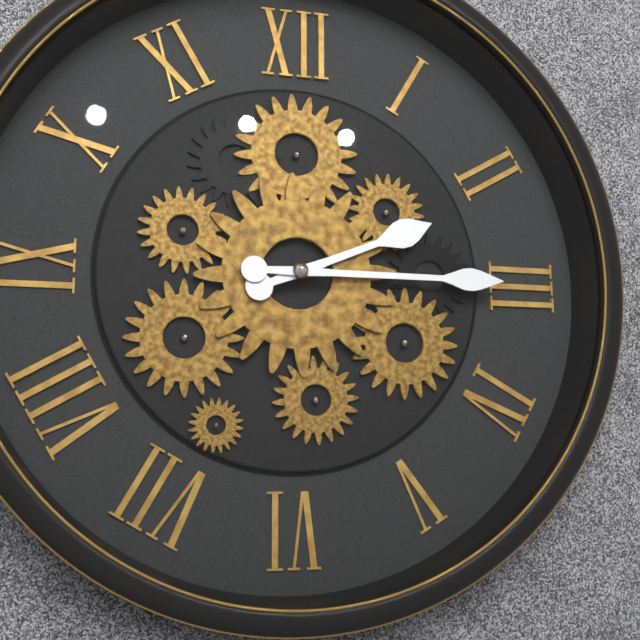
2,15
